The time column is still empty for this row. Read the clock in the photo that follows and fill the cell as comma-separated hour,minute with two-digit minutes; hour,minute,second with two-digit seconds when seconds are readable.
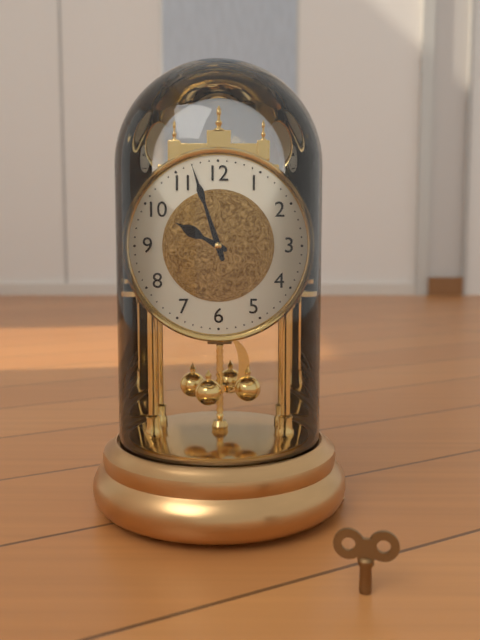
9,57
